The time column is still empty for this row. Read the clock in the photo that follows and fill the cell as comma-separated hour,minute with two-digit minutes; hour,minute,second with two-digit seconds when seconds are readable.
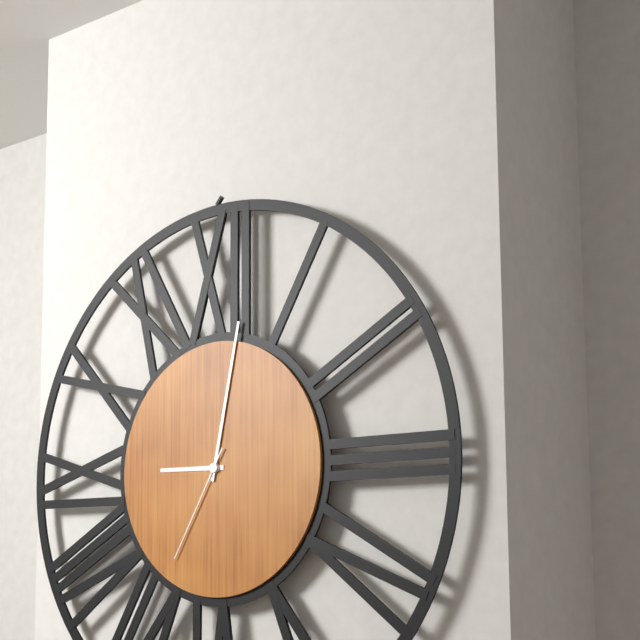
9,02,35
